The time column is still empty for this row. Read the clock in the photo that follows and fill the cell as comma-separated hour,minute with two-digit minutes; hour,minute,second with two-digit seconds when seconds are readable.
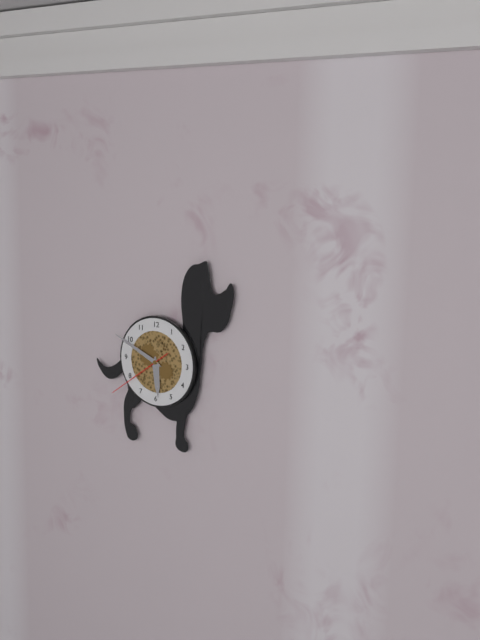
5,49,39
